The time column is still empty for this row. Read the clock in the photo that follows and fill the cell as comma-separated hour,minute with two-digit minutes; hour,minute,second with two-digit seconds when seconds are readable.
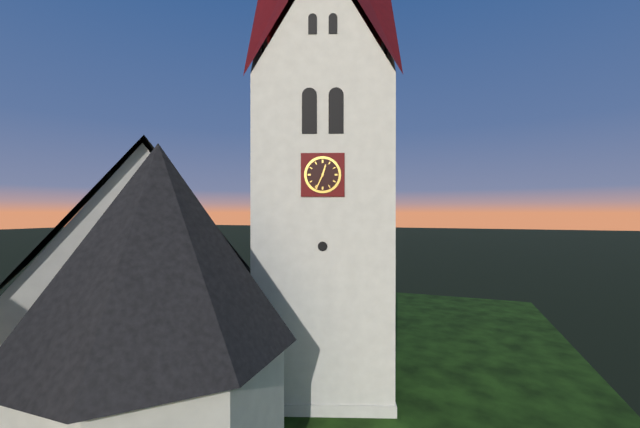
12,34
